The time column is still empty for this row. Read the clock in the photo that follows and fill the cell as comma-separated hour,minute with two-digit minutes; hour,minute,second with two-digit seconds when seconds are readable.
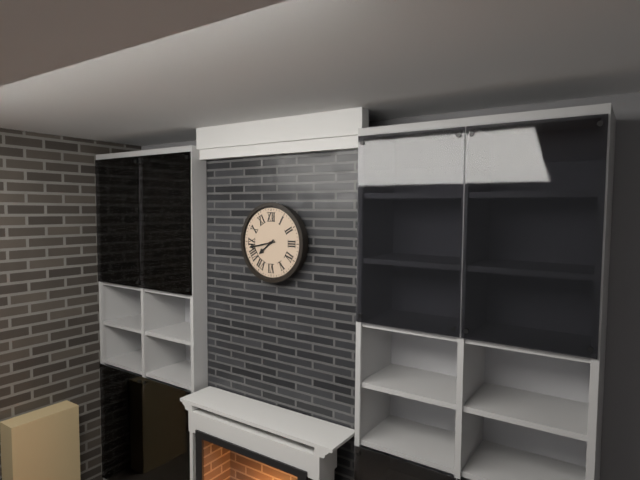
7,43
